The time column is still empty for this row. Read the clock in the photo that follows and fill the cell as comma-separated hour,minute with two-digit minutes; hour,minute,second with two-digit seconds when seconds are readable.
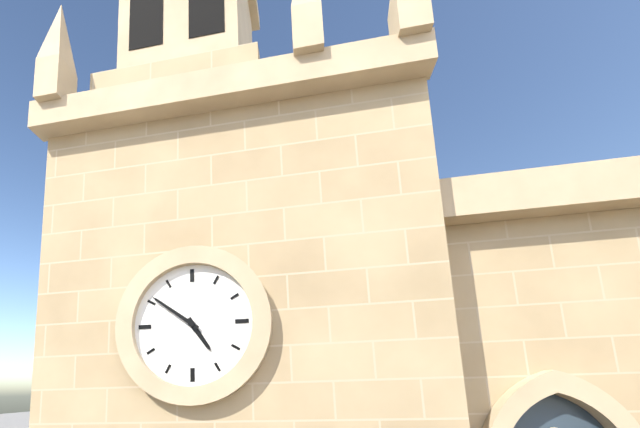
4,51
